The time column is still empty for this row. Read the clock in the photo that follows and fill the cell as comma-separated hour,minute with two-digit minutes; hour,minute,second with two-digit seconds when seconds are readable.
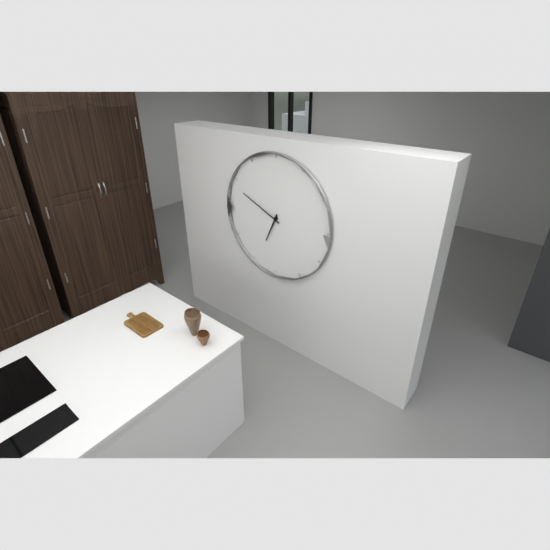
6,49
